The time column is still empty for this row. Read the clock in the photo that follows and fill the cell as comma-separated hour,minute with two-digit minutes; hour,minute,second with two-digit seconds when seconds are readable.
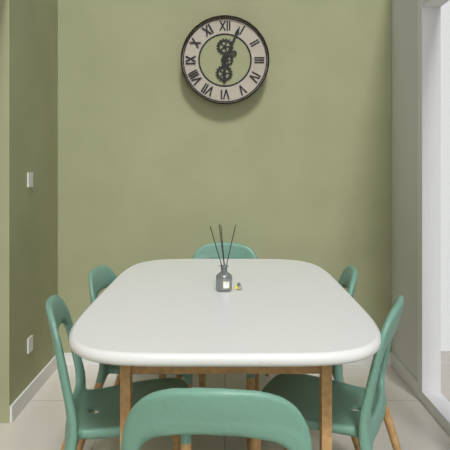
6,04
